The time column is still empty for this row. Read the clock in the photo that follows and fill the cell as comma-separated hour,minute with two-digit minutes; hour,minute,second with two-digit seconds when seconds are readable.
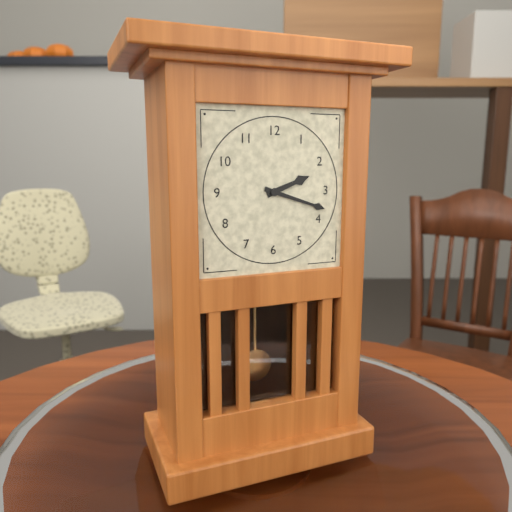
2,18
